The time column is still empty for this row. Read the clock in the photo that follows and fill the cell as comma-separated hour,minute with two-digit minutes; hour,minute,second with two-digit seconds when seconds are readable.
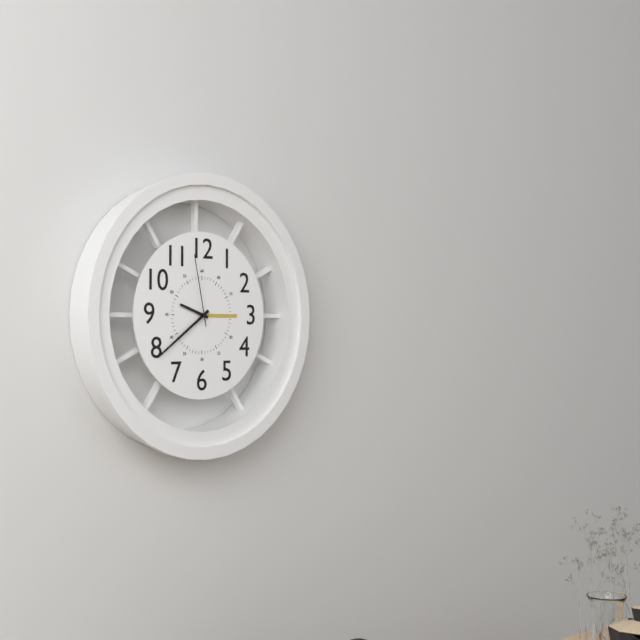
9,39,58
